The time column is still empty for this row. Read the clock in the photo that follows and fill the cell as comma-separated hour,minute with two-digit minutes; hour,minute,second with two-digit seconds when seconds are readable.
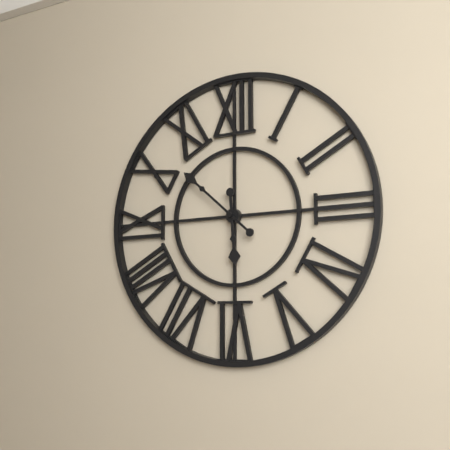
5,52
